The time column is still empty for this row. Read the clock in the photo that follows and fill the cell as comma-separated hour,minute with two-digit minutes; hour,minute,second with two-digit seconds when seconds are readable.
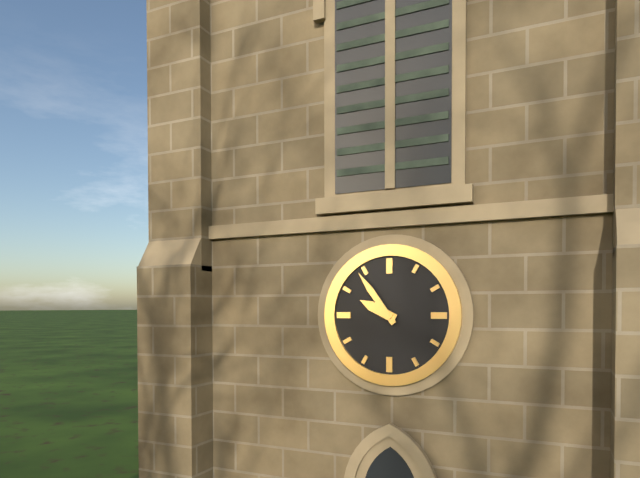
9,54
